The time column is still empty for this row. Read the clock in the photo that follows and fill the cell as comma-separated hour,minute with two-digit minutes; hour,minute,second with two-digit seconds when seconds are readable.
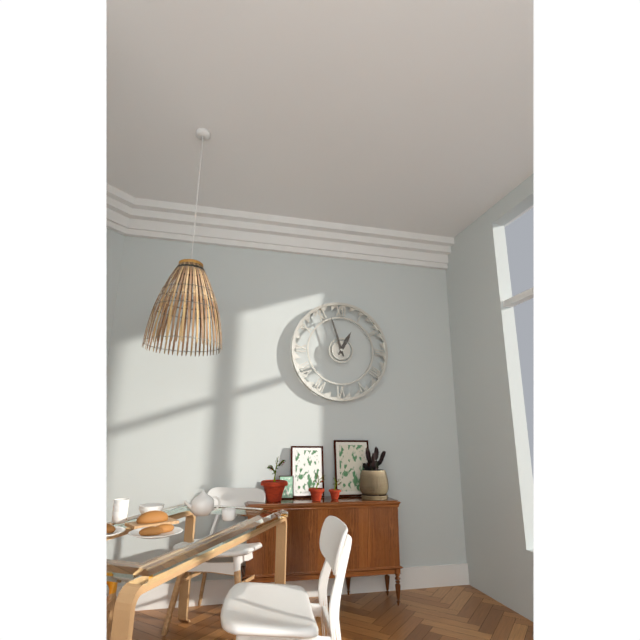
12,57
